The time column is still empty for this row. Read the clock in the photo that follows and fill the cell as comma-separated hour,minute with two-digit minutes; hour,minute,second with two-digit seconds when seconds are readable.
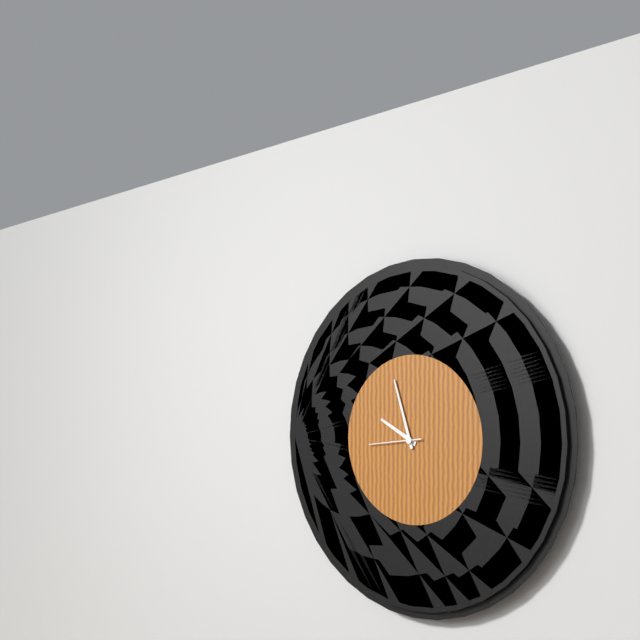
9,57,44
